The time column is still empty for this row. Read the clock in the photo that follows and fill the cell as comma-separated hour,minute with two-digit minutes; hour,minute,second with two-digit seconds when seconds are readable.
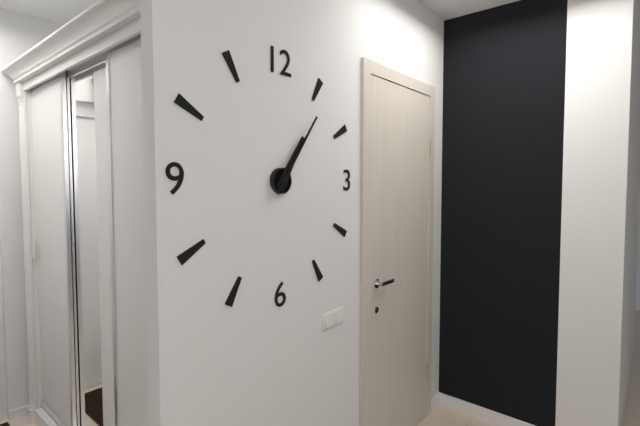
1,06
